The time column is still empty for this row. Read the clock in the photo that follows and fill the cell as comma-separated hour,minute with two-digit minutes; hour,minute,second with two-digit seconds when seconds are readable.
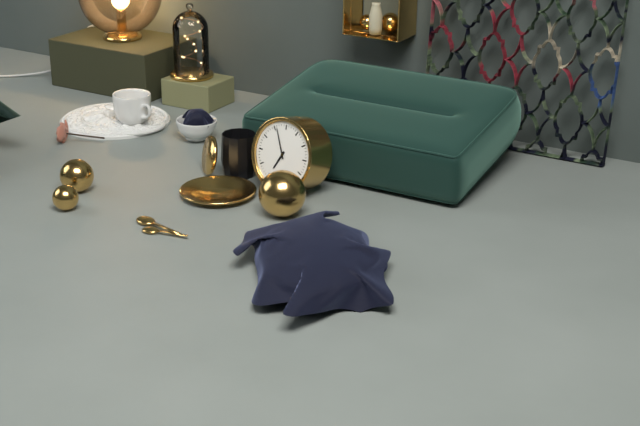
6,56
